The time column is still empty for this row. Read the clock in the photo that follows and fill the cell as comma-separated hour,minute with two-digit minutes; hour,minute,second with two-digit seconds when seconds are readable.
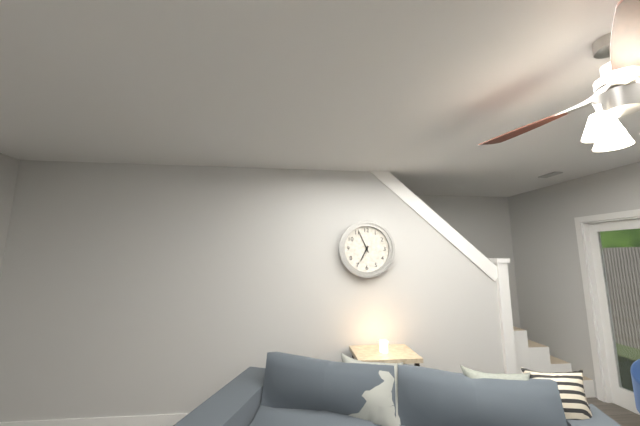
6,56
